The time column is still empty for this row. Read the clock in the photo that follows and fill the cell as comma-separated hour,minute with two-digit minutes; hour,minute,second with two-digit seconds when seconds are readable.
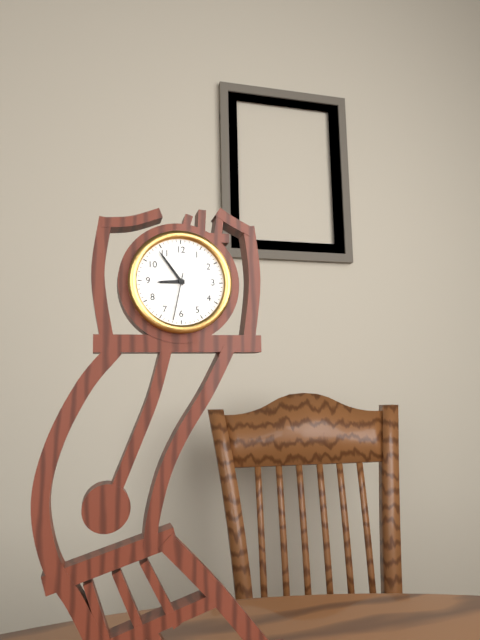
8,54
